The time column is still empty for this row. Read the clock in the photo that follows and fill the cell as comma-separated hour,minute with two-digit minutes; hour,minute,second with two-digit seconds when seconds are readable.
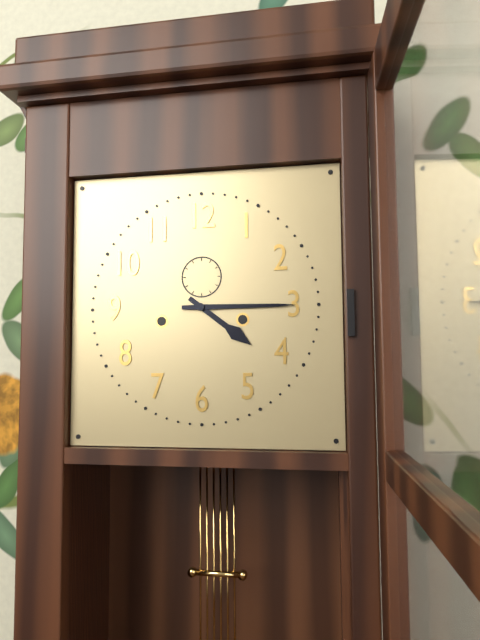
4,15
